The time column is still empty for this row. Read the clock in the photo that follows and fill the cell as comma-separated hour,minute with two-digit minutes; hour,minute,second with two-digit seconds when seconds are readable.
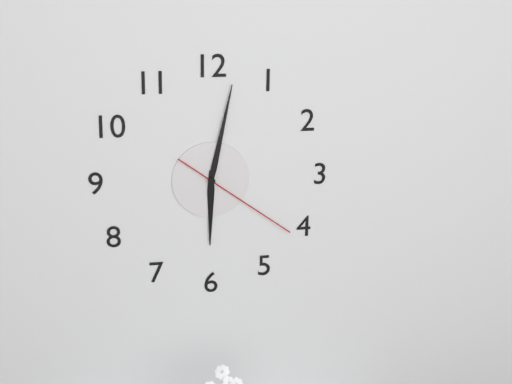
6,02,21
